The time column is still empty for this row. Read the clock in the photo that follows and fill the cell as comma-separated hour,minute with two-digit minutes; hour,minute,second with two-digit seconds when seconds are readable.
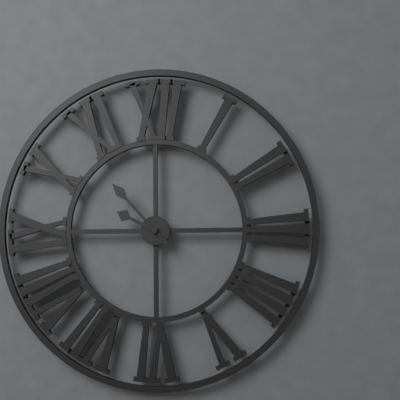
9,53
